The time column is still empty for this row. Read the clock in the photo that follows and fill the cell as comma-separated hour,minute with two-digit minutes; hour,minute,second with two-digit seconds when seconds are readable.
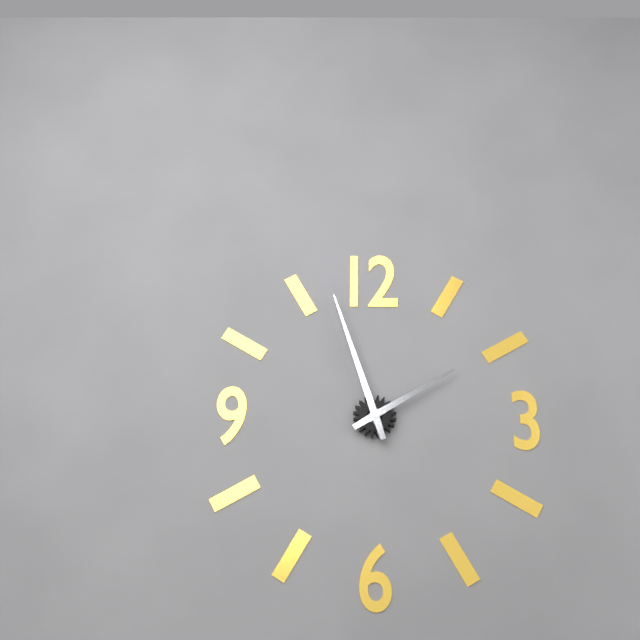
1,57
